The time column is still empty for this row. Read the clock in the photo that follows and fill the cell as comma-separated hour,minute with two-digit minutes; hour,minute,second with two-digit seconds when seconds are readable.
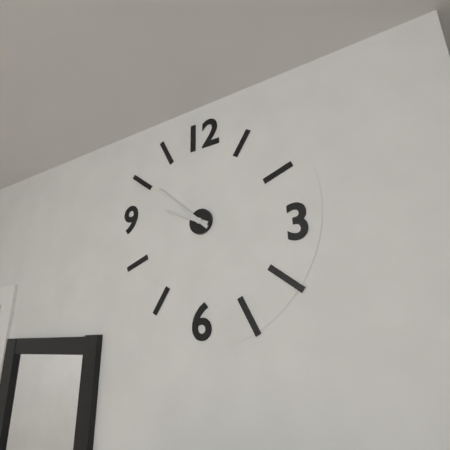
9,52
